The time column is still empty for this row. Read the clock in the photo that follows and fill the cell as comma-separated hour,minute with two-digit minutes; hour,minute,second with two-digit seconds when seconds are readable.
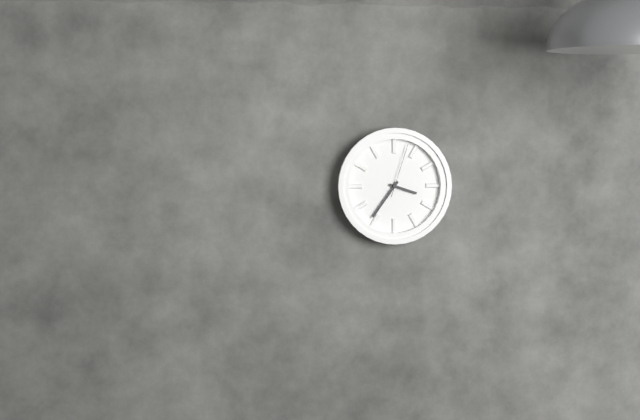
3,36,03
